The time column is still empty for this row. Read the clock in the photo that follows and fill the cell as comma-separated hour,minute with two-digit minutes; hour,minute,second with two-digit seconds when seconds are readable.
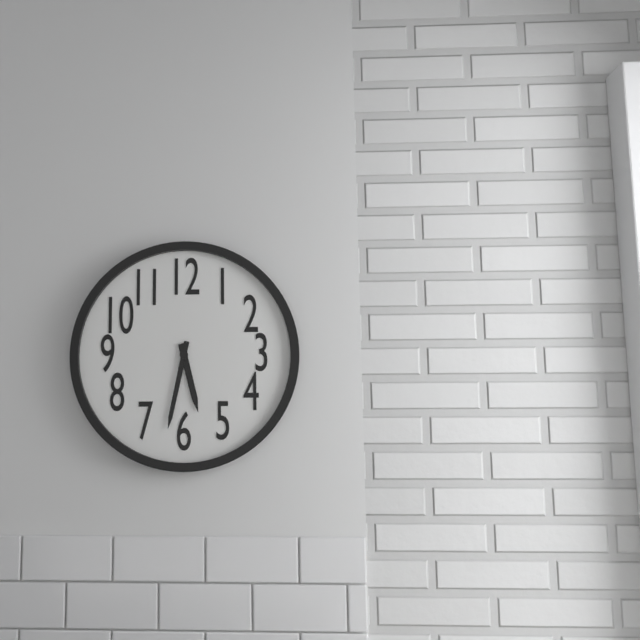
5,32
